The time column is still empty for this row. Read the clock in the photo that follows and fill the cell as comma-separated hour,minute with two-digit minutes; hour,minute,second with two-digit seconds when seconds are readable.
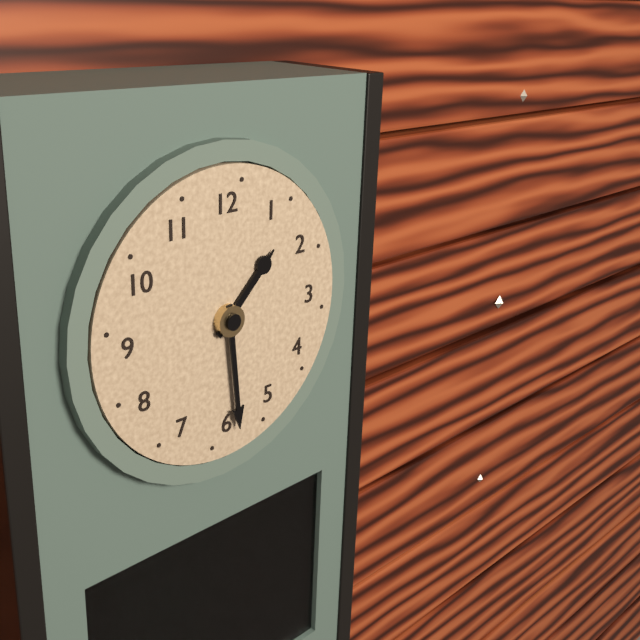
1,29
